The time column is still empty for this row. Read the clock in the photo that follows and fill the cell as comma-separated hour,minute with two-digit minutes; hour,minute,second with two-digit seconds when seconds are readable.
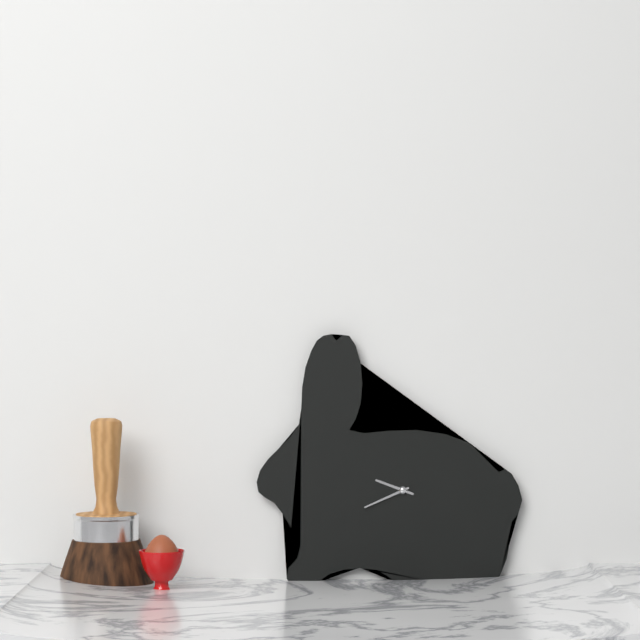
9,41
